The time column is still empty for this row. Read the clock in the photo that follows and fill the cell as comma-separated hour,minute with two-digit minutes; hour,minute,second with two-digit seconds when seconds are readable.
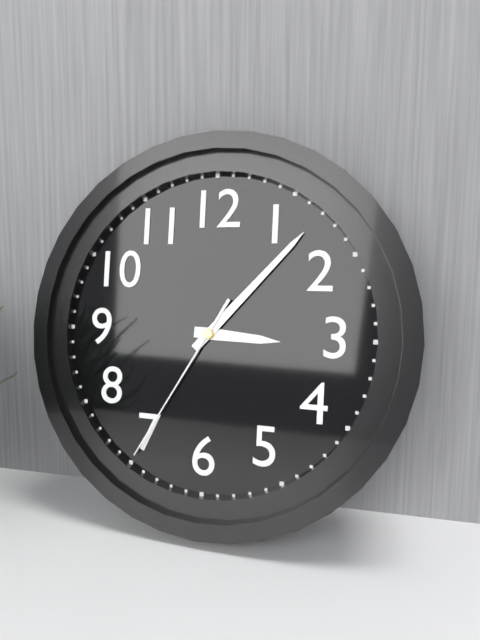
3,07,35
